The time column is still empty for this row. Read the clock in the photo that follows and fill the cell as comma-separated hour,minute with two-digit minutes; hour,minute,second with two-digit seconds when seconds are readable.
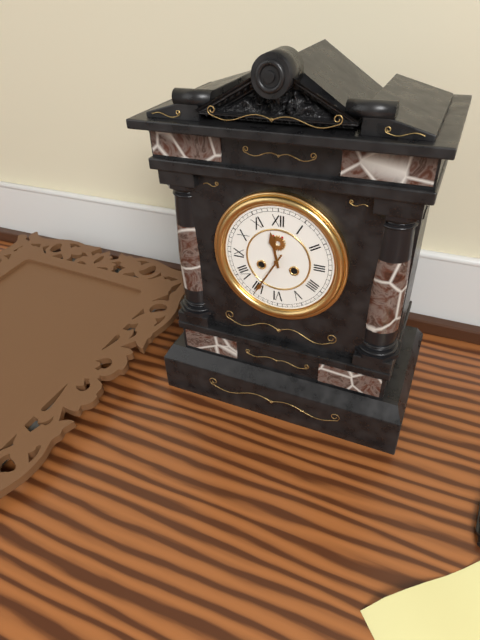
11,35
